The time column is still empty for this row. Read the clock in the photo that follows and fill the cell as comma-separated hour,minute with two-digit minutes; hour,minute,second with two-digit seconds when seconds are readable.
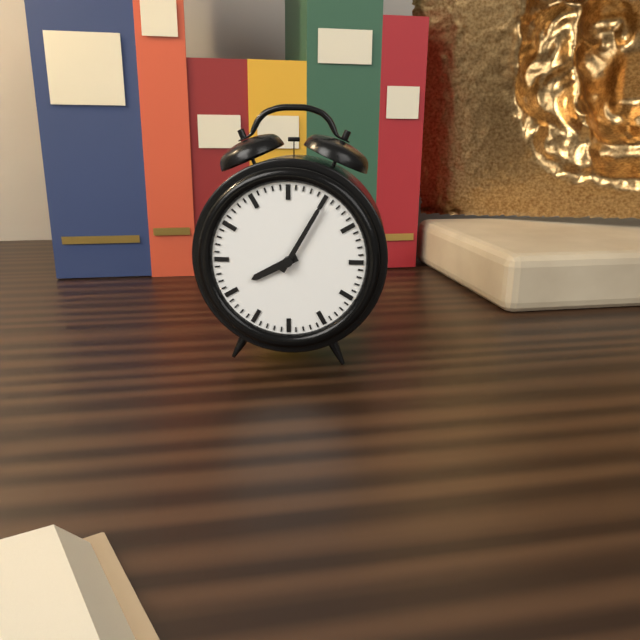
8,05
